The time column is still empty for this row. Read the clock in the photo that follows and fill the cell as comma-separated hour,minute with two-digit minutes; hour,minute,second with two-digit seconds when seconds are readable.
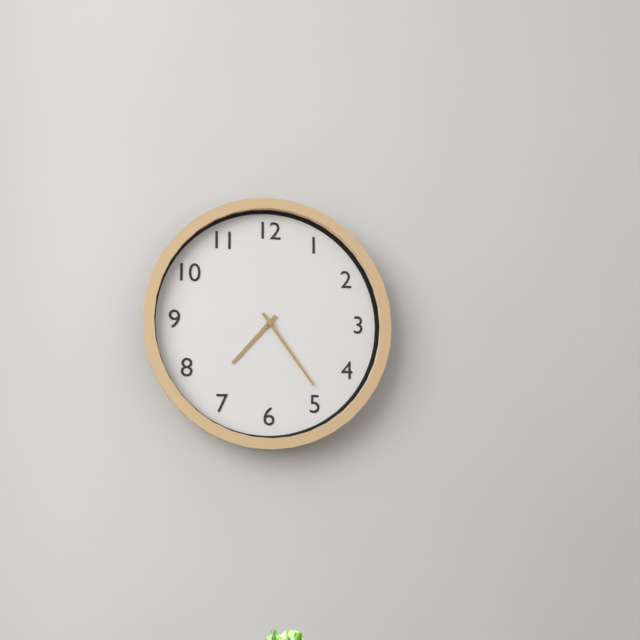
7,24
